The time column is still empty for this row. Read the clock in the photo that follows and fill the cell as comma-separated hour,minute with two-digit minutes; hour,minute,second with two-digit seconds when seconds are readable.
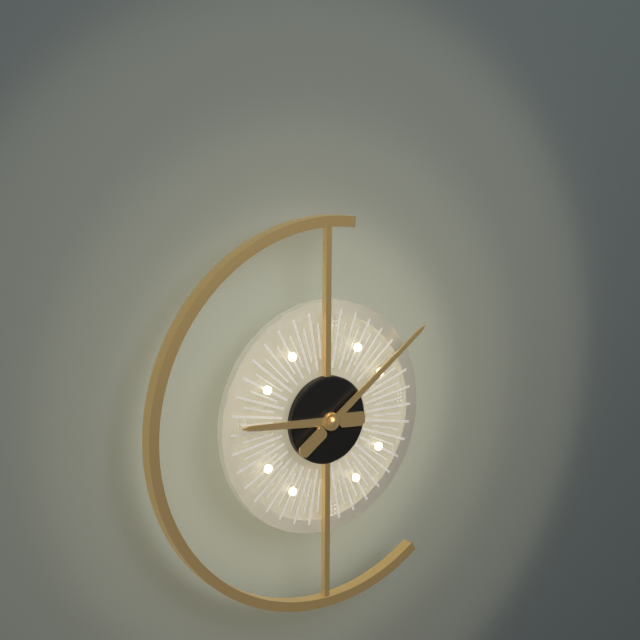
9,09
